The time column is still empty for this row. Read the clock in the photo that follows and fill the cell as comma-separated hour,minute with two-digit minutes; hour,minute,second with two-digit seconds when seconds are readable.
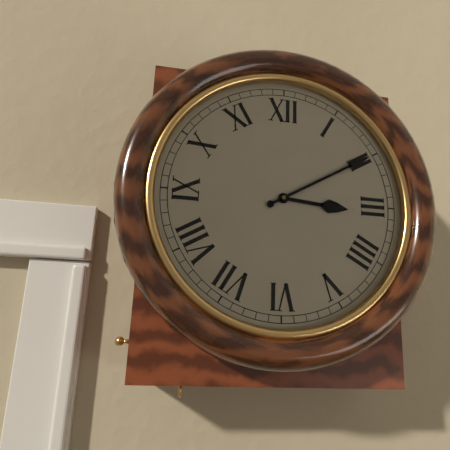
3,10
